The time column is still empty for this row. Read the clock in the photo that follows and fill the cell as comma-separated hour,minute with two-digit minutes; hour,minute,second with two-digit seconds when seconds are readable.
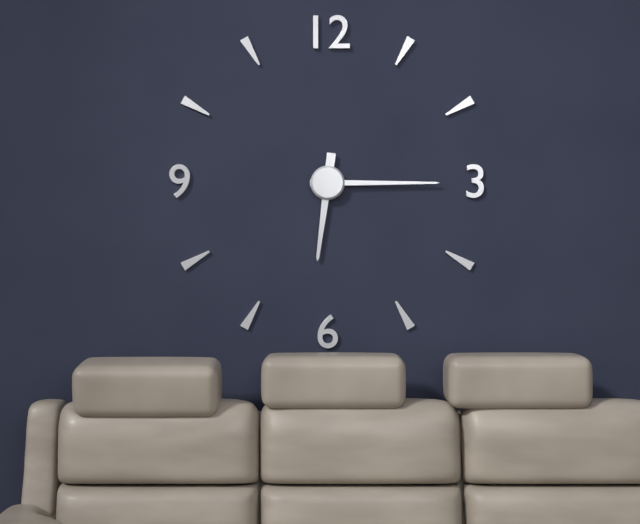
6,15
